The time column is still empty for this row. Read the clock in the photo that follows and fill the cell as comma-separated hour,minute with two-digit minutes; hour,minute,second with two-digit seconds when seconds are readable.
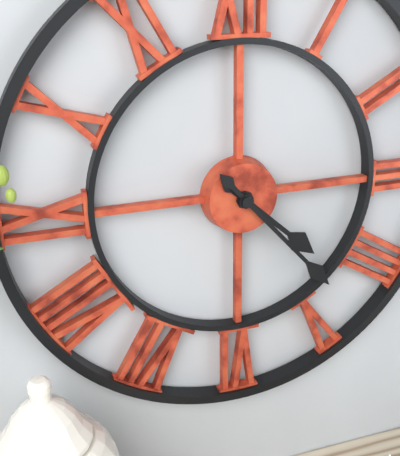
4,23
